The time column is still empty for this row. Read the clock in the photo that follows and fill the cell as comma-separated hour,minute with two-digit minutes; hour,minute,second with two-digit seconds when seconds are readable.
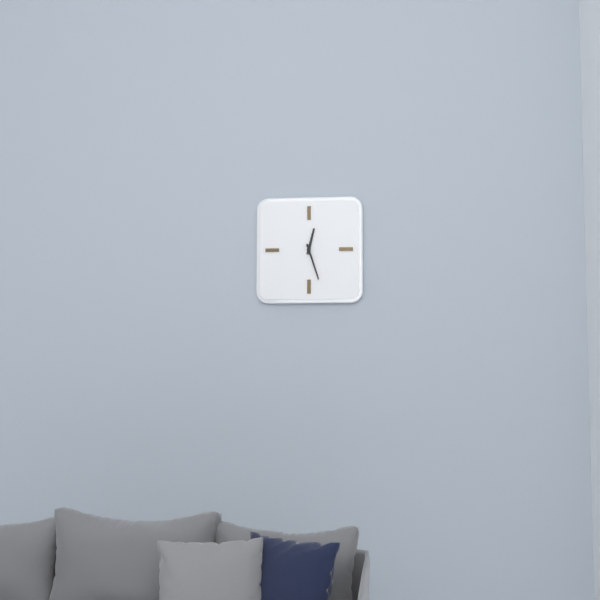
12,27
